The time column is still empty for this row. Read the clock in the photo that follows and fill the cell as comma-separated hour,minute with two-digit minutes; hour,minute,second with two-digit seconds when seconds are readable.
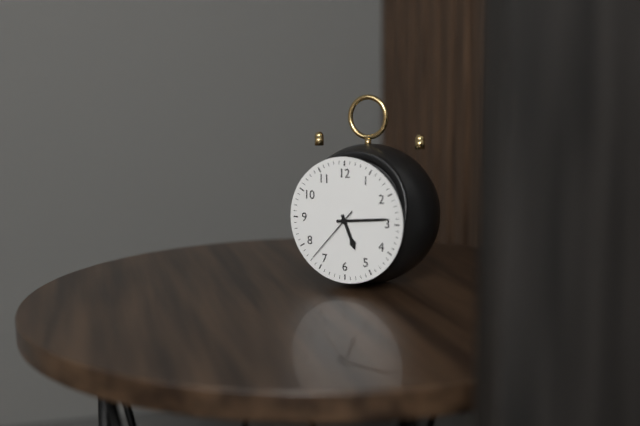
5,14,37
